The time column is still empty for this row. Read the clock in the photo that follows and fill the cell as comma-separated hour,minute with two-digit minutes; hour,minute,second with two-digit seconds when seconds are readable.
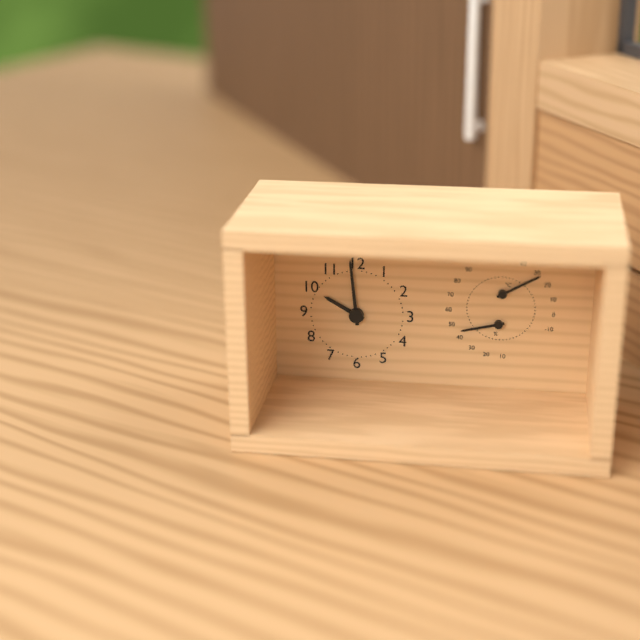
9,59
